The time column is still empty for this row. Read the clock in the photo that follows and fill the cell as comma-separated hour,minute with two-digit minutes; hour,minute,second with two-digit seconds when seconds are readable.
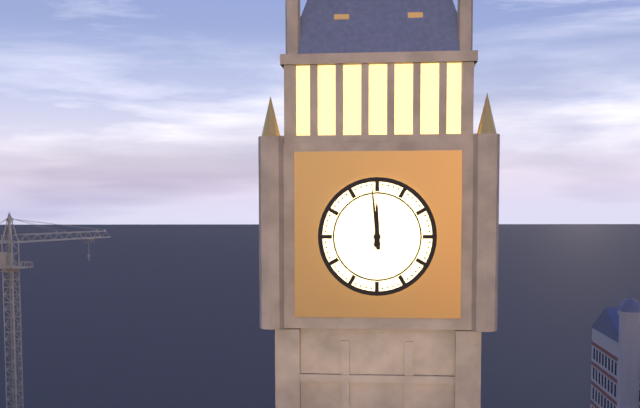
11,59
